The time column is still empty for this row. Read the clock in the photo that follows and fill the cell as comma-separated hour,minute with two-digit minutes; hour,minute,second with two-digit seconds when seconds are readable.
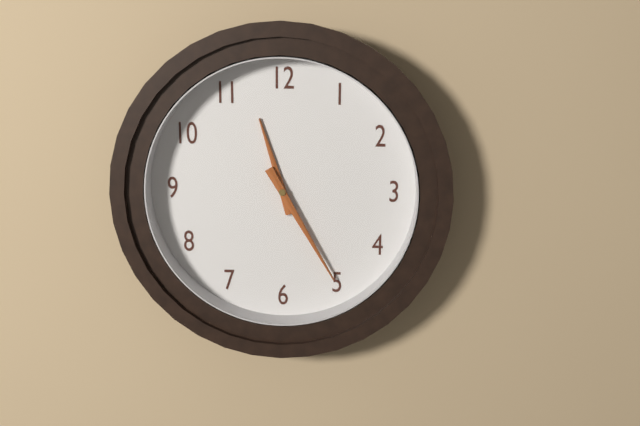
11,25
